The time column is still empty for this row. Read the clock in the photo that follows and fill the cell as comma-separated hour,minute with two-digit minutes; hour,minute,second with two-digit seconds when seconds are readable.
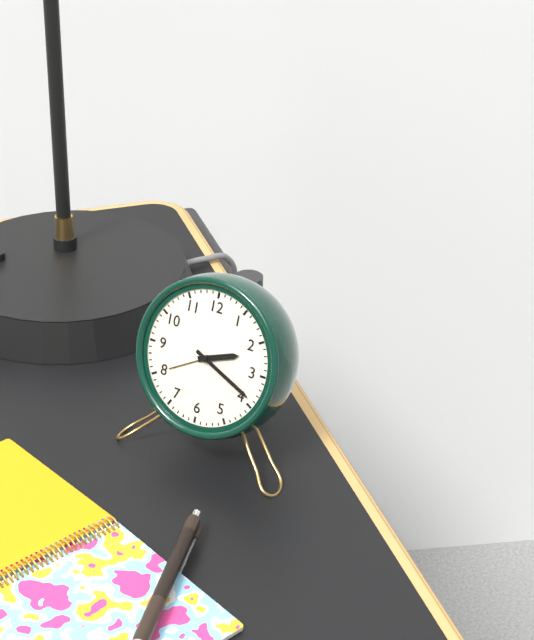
2,19
